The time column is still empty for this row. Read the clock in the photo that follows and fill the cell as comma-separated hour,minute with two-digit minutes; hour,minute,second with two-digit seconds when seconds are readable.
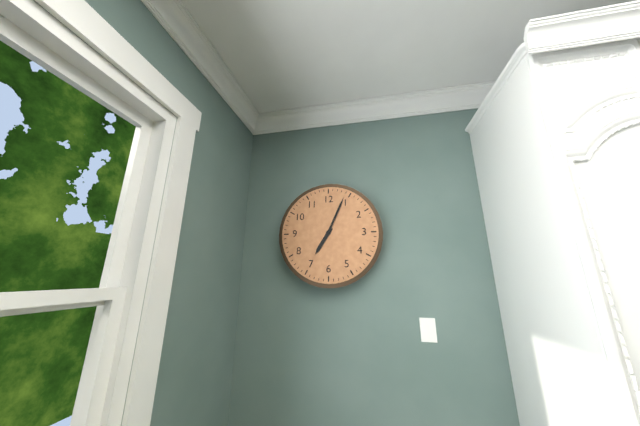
7,04
